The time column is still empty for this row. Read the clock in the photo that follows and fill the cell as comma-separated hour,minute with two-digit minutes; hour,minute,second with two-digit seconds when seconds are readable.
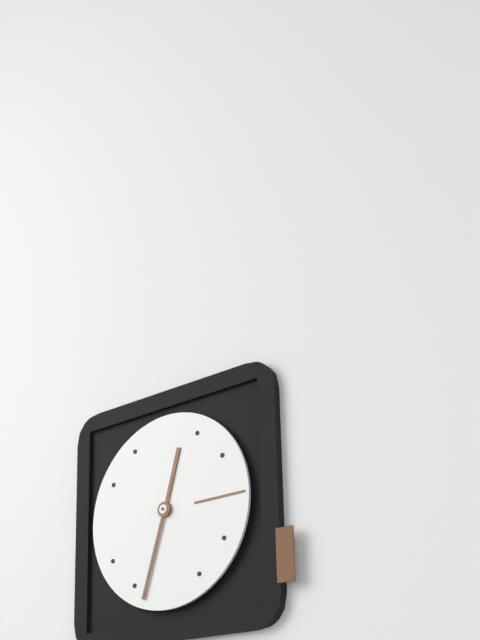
12,33
